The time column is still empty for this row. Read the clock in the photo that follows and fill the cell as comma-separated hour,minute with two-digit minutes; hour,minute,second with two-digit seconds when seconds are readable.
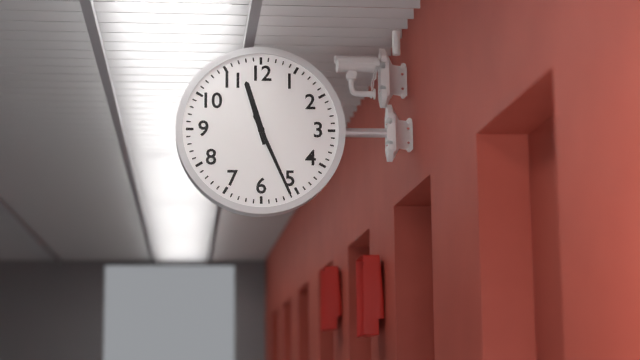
11,26
